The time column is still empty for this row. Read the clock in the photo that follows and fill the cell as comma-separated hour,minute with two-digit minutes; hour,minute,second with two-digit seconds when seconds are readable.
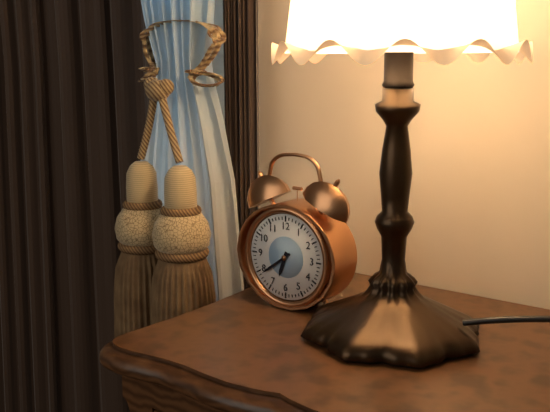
6,39
